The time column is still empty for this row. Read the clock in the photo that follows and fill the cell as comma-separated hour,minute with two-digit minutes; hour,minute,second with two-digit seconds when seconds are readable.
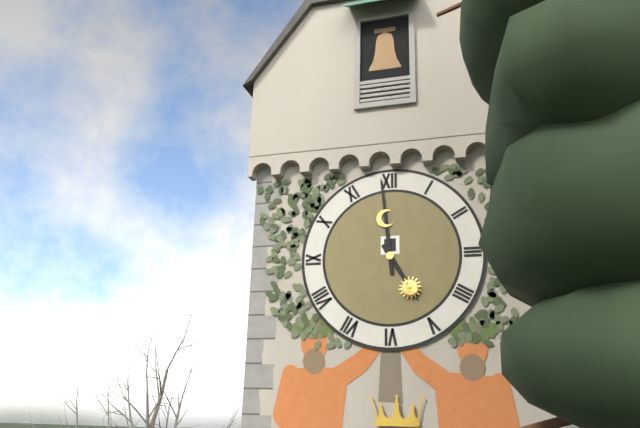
4,59
